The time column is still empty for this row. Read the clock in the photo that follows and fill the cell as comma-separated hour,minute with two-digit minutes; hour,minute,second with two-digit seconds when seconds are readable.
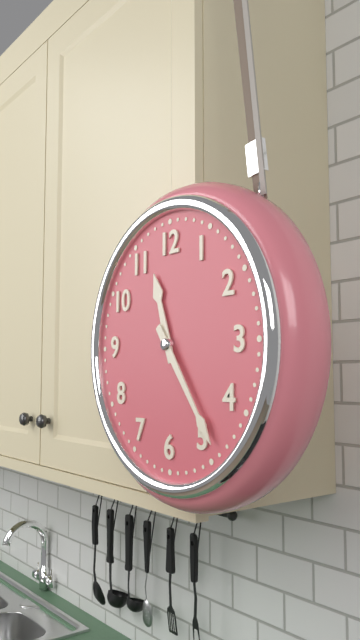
11,24
